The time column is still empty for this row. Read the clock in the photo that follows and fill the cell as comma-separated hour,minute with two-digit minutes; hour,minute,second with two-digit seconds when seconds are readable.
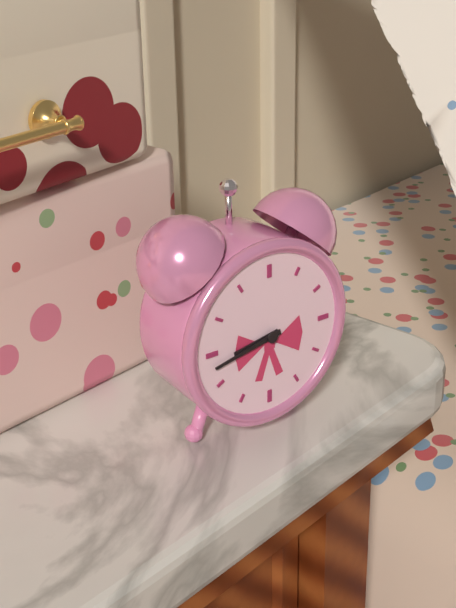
8,43
